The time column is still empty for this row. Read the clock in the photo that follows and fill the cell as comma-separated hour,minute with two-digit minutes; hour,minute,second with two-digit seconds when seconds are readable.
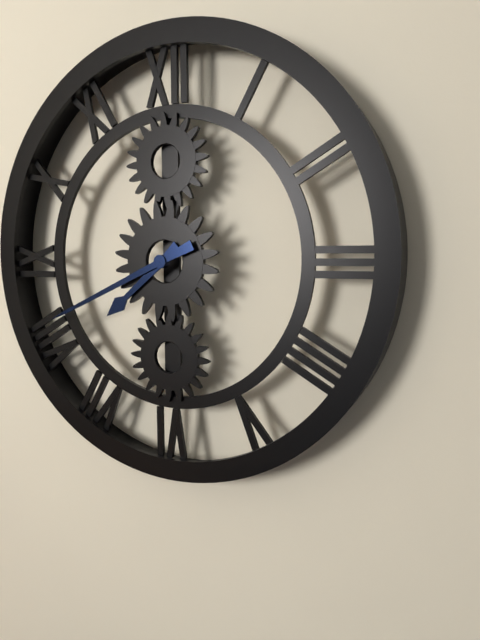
7,41
